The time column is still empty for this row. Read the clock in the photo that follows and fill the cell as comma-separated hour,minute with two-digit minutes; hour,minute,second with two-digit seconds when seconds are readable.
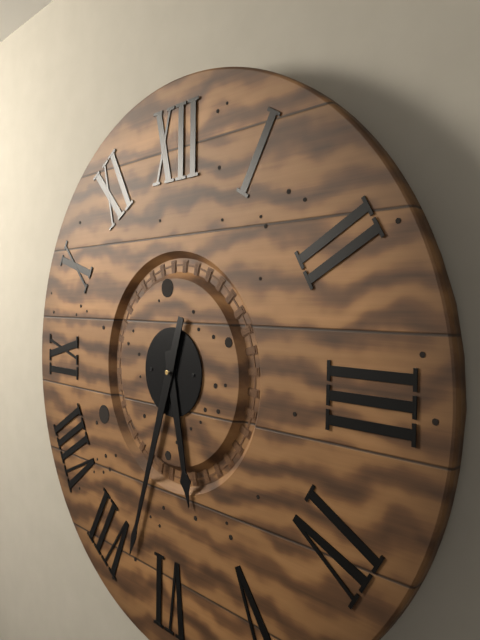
5,33
